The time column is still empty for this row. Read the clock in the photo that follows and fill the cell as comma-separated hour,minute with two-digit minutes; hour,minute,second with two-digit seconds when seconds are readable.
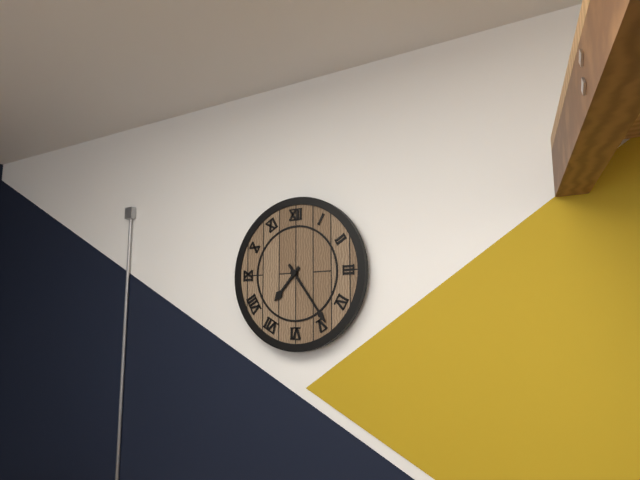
7,24
